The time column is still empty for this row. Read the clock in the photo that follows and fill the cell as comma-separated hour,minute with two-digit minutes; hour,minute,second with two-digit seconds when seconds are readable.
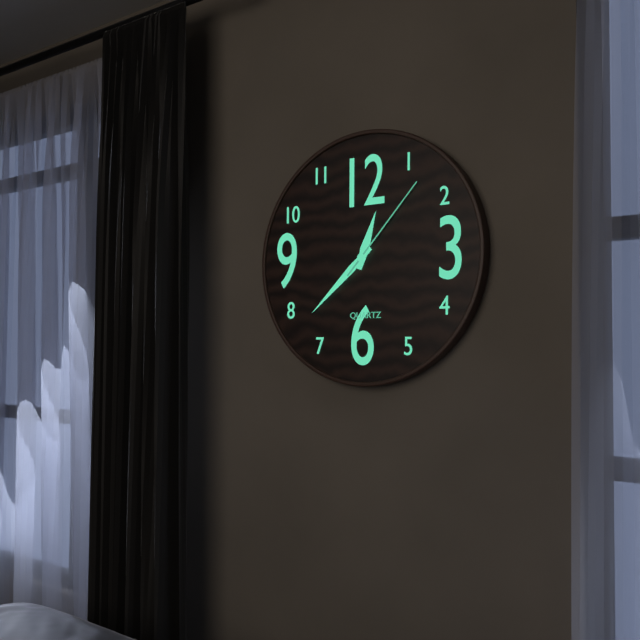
12,38,07
